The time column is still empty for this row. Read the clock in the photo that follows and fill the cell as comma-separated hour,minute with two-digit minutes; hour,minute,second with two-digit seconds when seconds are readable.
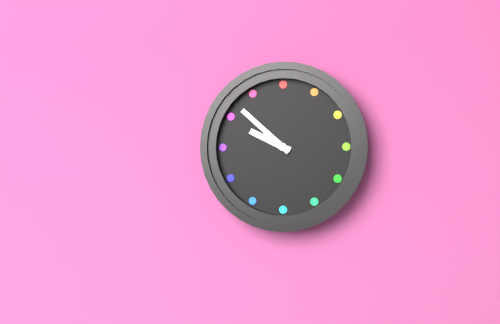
9,52
